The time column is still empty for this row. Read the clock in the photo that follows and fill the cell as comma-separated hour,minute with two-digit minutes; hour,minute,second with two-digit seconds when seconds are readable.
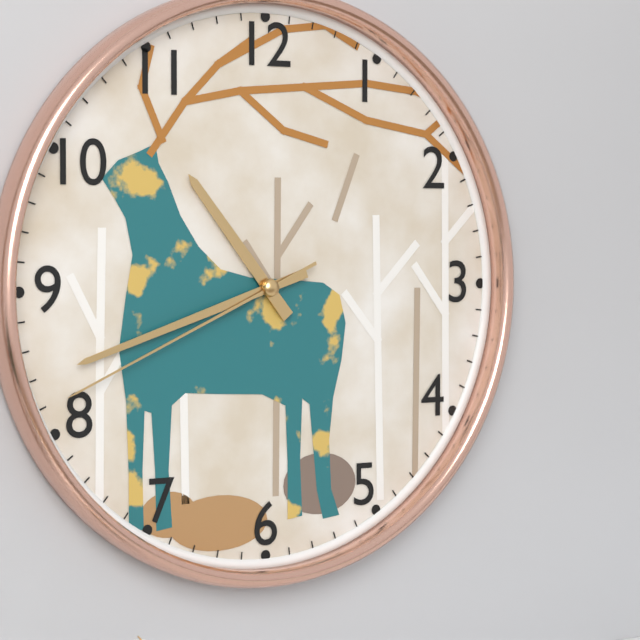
10,42,41
